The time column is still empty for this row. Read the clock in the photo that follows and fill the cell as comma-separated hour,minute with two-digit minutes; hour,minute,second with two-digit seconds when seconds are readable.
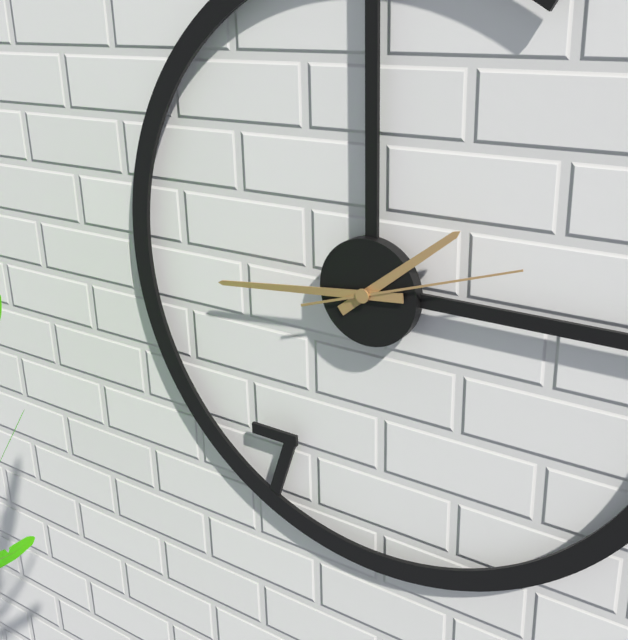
1,44,12
